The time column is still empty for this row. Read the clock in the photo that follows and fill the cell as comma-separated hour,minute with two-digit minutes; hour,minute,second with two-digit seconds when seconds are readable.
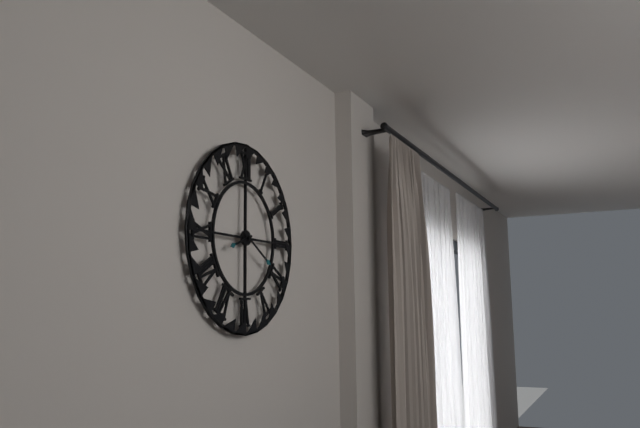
8,20
